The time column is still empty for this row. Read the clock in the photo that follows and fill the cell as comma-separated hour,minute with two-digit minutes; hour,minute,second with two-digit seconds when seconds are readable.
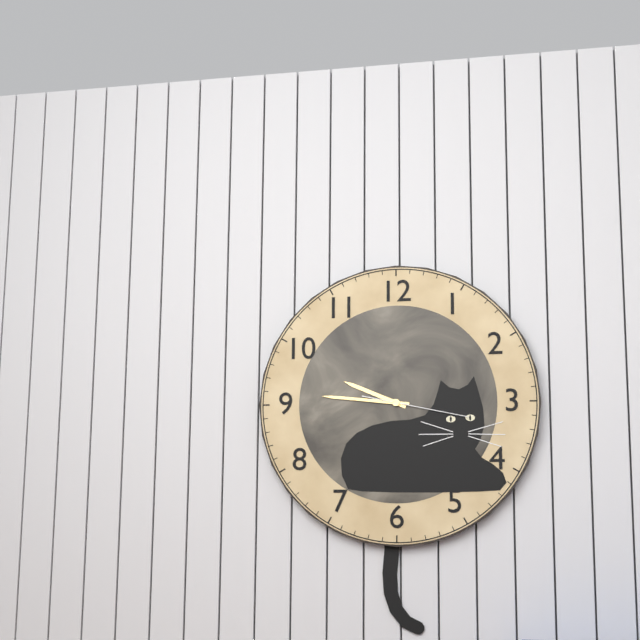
9,46,17
